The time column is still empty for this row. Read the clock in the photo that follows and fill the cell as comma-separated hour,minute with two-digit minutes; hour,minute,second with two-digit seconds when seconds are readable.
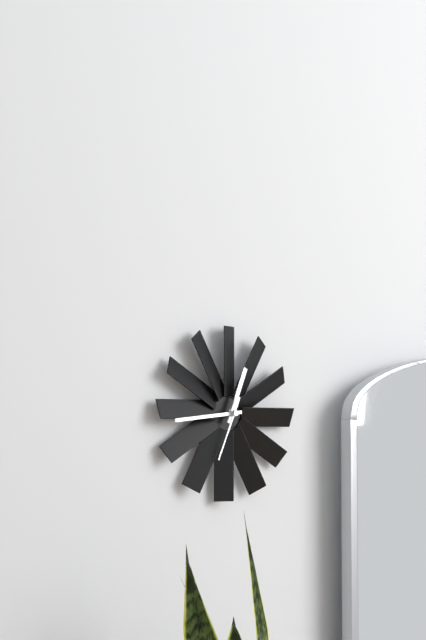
12,44,34
